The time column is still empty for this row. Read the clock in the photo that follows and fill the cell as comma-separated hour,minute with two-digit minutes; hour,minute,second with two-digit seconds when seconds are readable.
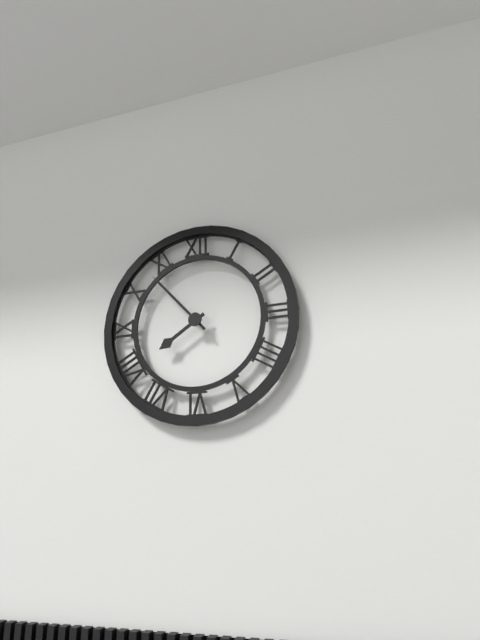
7,53
